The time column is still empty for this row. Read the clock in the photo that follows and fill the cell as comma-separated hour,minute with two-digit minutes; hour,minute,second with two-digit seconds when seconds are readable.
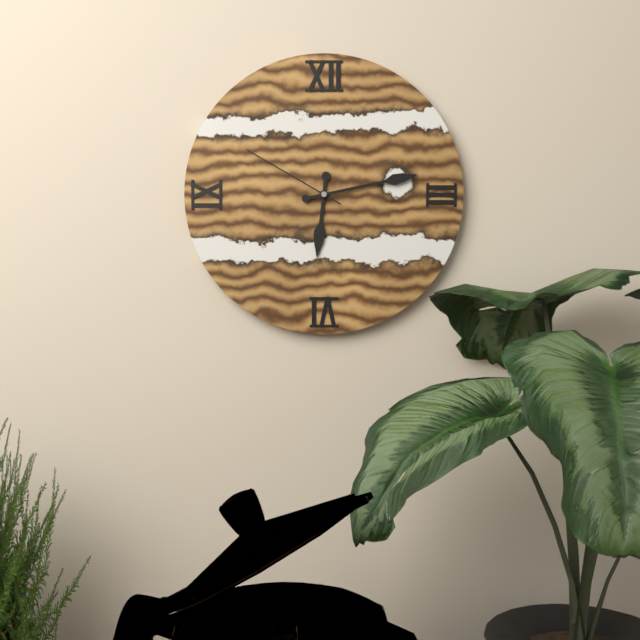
6,13,50
